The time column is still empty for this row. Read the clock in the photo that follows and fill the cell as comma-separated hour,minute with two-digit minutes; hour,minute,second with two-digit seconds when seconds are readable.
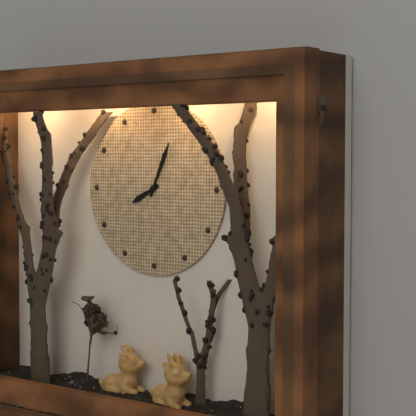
8,04
